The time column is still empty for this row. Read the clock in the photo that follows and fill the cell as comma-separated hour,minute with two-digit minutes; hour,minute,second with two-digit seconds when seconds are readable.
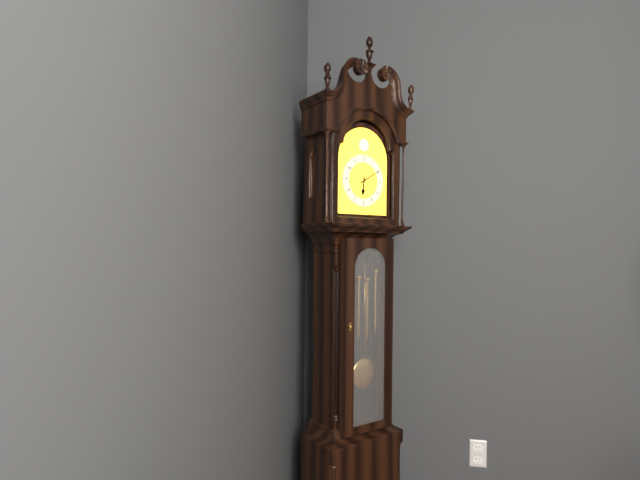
6,10
